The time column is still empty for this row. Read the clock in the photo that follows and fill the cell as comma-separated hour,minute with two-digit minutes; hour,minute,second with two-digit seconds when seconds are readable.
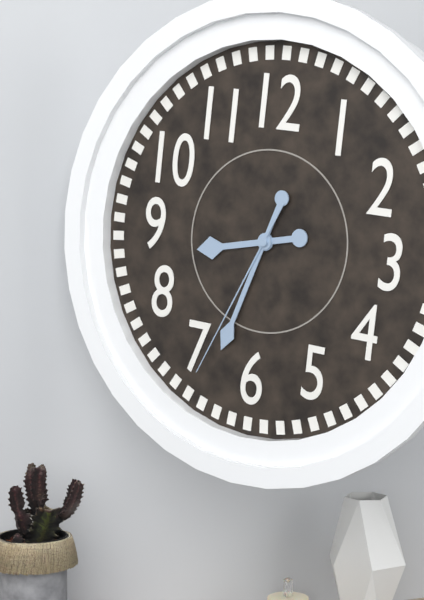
8,33,34
